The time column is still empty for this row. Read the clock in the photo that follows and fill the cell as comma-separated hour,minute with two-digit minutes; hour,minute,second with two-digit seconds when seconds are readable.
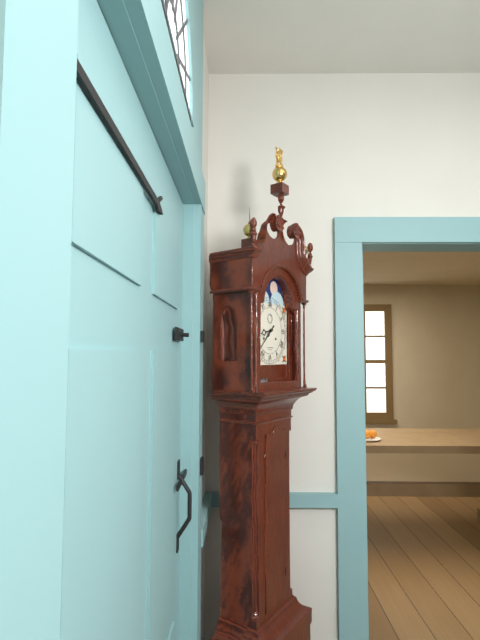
8,38
